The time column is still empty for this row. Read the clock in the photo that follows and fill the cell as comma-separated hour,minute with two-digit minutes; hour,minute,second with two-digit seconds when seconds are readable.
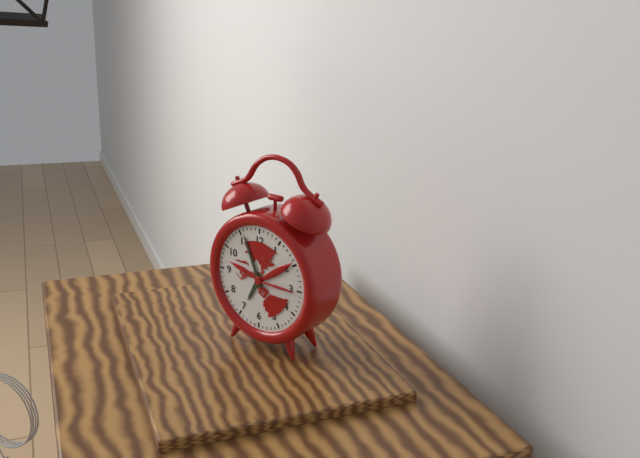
6,56
